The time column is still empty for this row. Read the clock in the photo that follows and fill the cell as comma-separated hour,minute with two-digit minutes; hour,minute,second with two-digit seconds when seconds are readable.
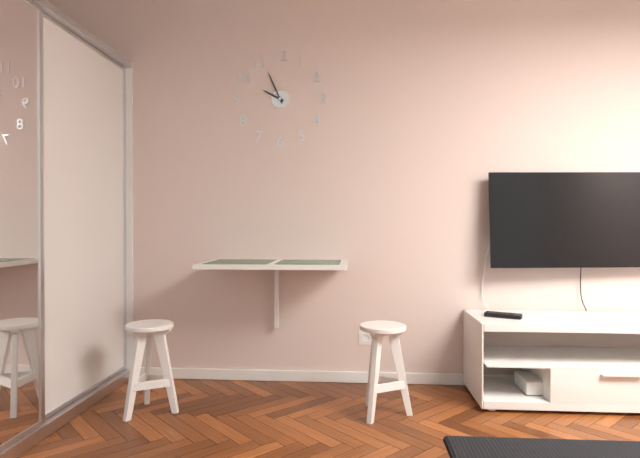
9,56
